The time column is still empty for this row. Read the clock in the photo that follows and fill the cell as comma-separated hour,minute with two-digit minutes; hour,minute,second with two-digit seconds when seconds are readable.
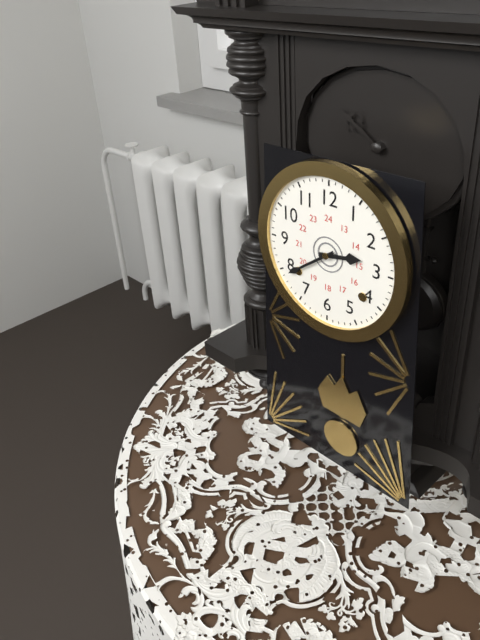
2,39
